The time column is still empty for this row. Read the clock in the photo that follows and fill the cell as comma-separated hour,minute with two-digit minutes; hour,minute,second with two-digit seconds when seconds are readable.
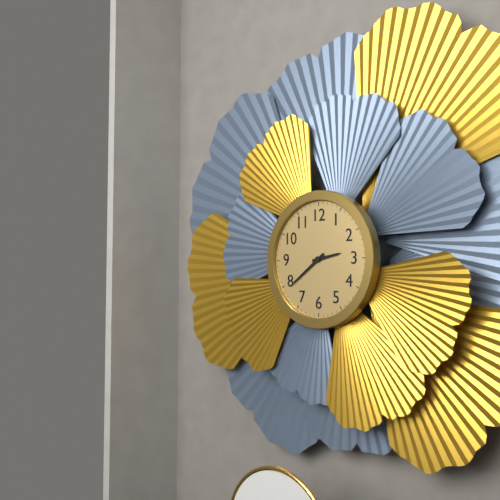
2,39
